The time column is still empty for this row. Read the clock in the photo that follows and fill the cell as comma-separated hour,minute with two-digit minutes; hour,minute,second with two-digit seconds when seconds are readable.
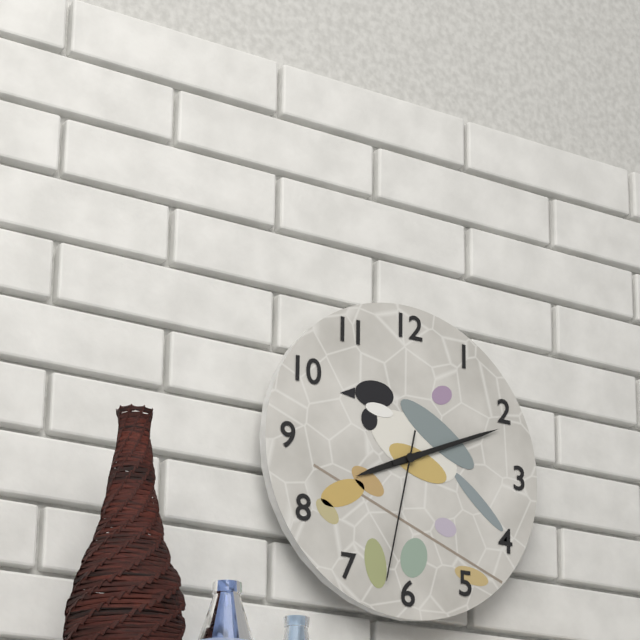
8,11,32
